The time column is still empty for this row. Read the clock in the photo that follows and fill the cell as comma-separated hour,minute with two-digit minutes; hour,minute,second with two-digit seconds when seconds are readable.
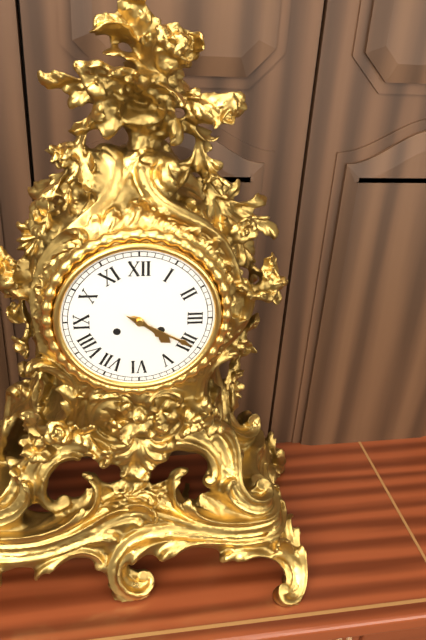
4,20
